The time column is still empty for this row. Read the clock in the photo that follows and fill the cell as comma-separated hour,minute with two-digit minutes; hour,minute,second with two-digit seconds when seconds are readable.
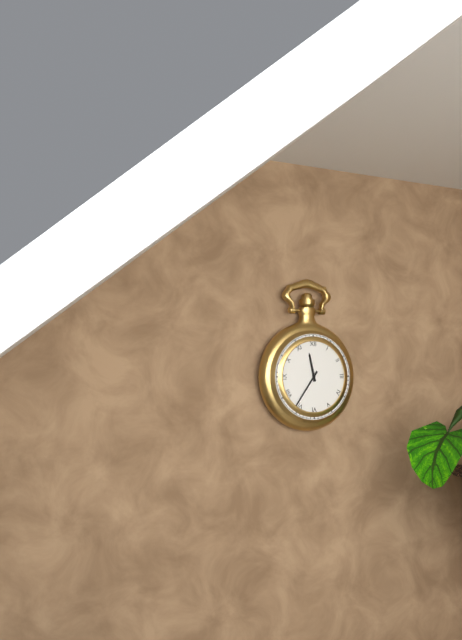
11,36
